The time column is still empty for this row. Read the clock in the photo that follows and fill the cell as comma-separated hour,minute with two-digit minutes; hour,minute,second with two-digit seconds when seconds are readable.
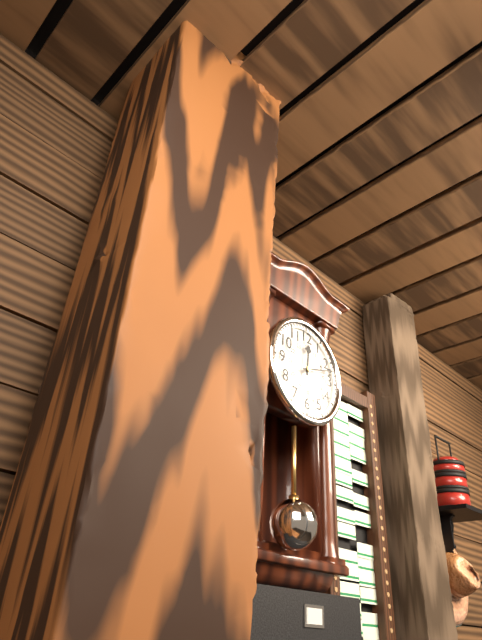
12,12
